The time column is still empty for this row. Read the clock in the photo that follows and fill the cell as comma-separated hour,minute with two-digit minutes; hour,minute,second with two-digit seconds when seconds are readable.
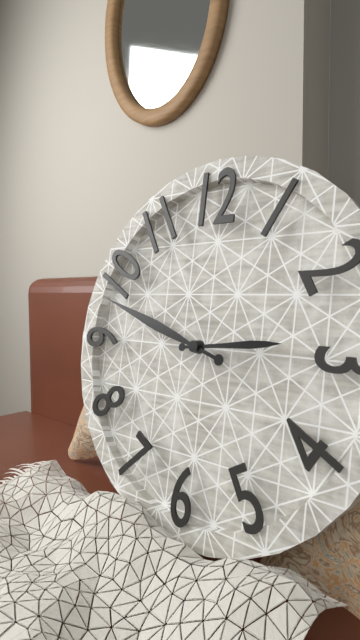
2,48
